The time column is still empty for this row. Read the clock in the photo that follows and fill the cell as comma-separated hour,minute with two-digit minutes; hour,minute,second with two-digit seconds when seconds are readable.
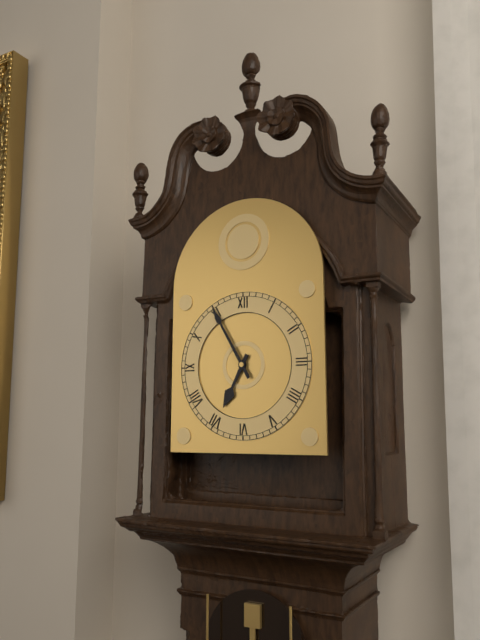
6,55
